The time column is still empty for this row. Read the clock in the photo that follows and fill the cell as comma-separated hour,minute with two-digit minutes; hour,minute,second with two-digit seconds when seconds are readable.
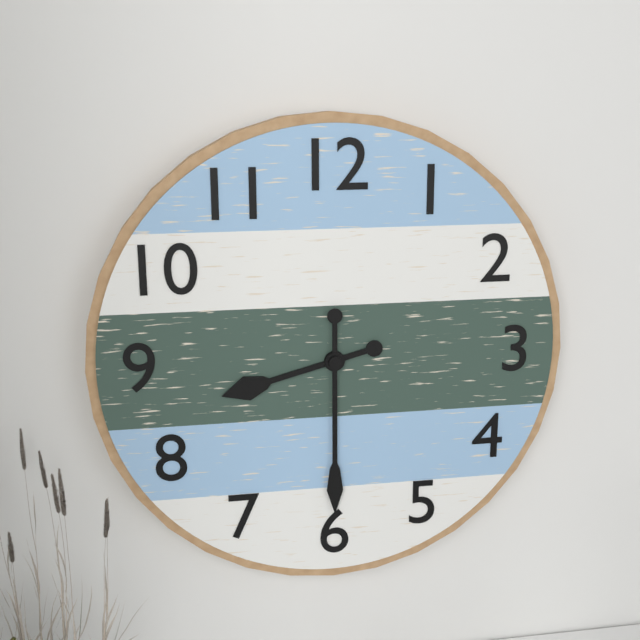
8,30
